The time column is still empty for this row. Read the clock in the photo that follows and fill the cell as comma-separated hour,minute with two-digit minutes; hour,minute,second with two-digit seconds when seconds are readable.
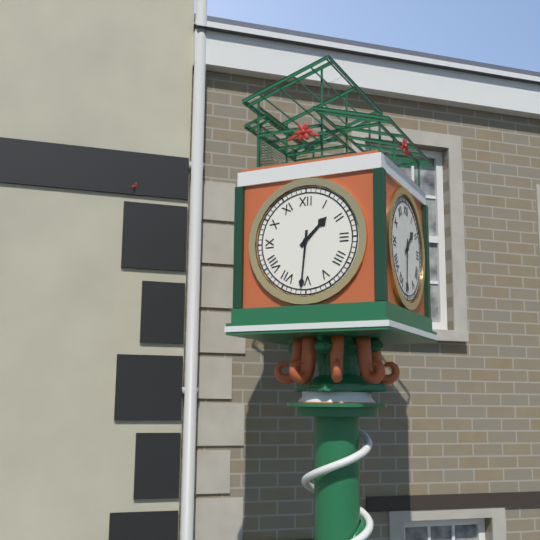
1,31
